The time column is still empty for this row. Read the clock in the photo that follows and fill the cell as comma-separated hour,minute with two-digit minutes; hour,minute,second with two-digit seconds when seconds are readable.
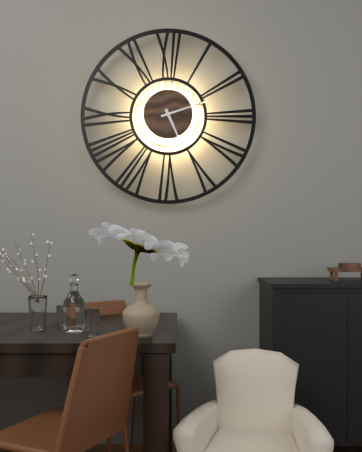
5,12
